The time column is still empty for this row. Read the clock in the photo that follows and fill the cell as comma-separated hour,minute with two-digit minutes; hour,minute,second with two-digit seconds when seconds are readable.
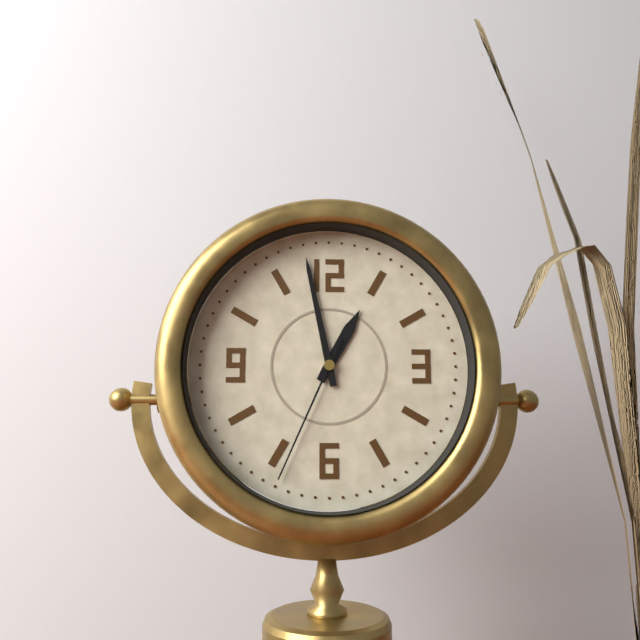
12,58,34
